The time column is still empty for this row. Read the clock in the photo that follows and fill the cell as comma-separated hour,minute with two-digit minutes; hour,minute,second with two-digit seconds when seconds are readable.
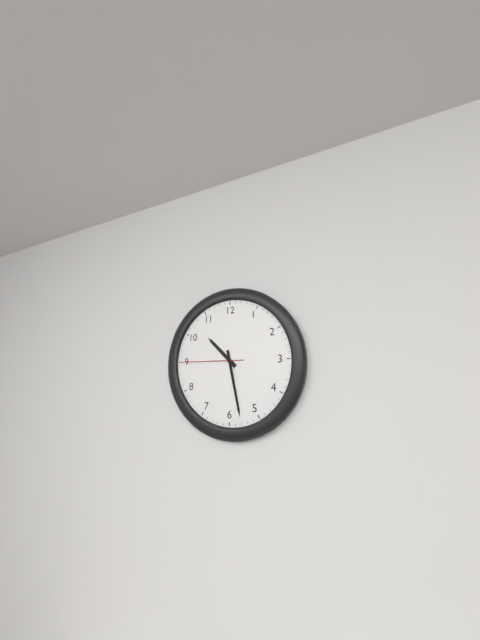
10,28,45
